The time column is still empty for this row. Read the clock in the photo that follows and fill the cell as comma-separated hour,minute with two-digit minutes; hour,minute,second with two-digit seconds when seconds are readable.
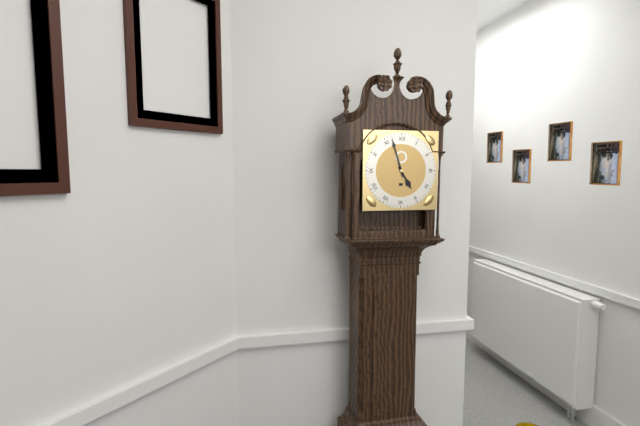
4,57
